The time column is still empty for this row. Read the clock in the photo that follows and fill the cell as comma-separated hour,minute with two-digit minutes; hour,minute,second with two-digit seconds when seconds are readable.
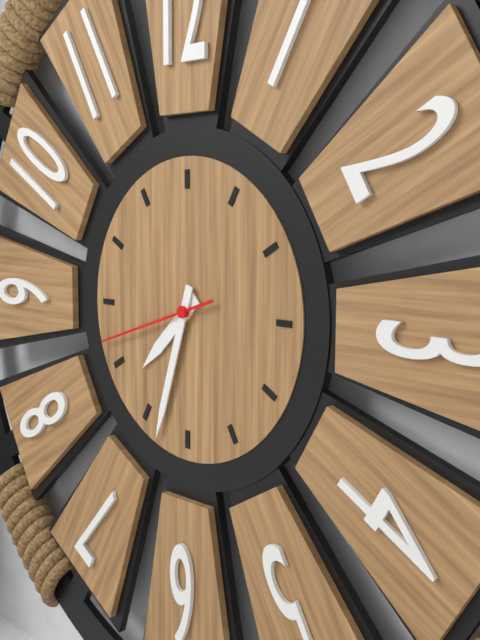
7,33,42
